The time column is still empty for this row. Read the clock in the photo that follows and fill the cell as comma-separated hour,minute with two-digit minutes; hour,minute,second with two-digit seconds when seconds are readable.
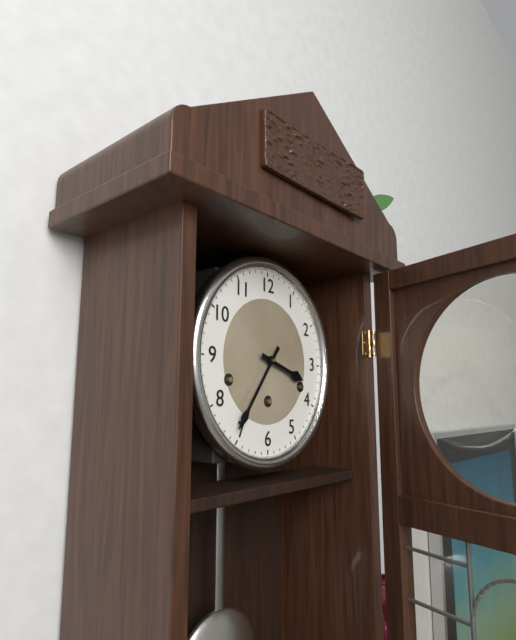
3,36
